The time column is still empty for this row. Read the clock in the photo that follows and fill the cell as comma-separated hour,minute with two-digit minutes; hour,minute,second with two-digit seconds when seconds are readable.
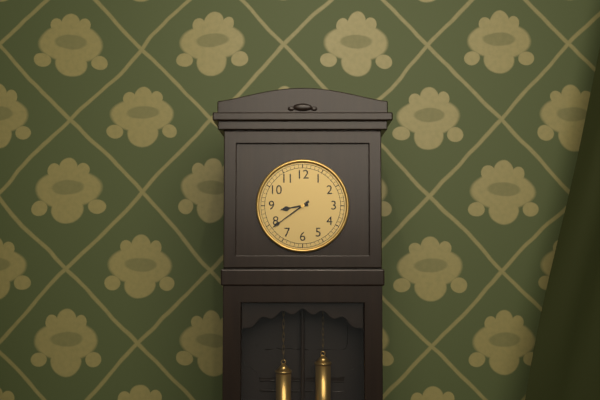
8,39
